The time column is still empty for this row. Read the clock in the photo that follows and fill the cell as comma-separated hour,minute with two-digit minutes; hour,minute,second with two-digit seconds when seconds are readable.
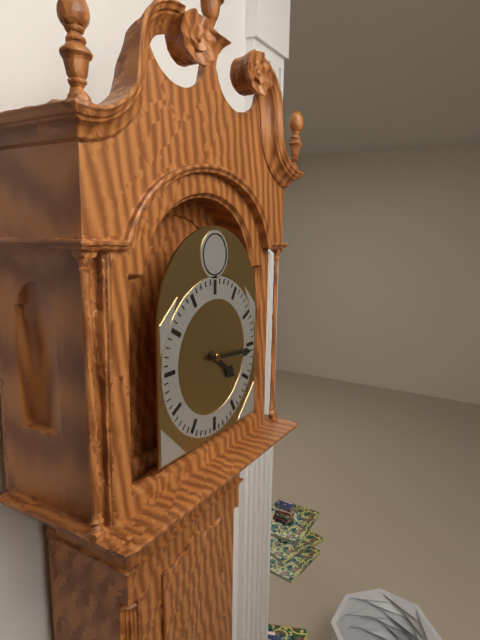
4,16
